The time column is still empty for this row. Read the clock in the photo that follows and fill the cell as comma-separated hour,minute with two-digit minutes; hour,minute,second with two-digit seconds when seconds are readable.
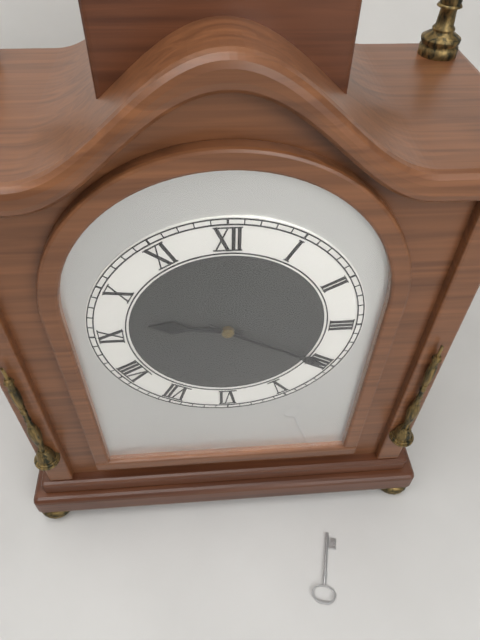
9,20
